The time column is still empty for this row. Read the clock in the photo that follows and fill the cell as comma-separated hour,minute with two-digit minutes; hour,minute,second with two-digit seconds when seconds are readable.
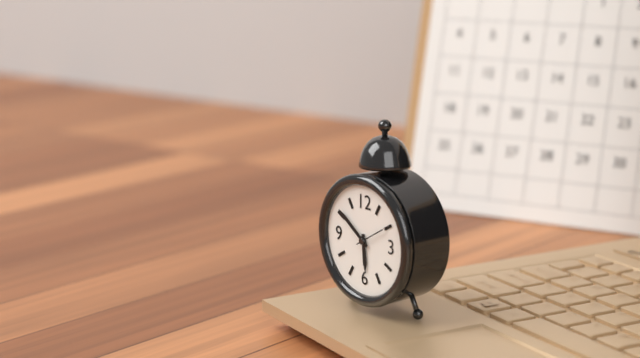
5,51
